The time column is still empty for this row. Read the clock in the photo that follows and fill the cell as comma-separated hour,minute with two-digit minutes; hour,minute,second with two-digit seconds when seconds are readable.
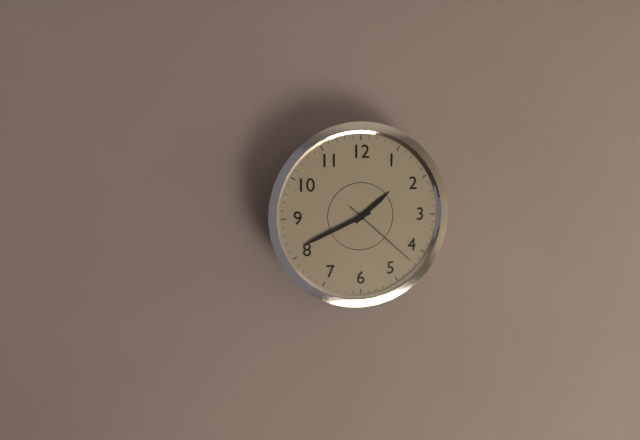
1,41,22
